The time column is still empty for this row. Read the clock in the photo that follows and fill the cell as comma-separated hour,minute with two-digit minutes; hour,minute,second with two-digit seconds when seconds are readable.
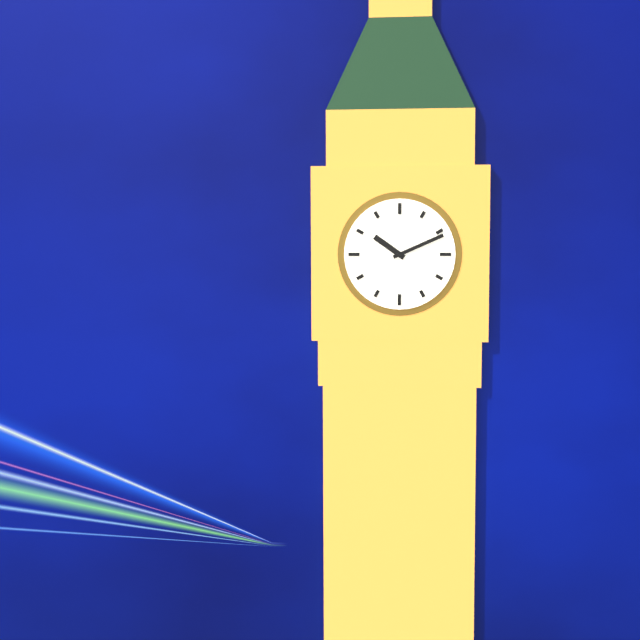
10,11
